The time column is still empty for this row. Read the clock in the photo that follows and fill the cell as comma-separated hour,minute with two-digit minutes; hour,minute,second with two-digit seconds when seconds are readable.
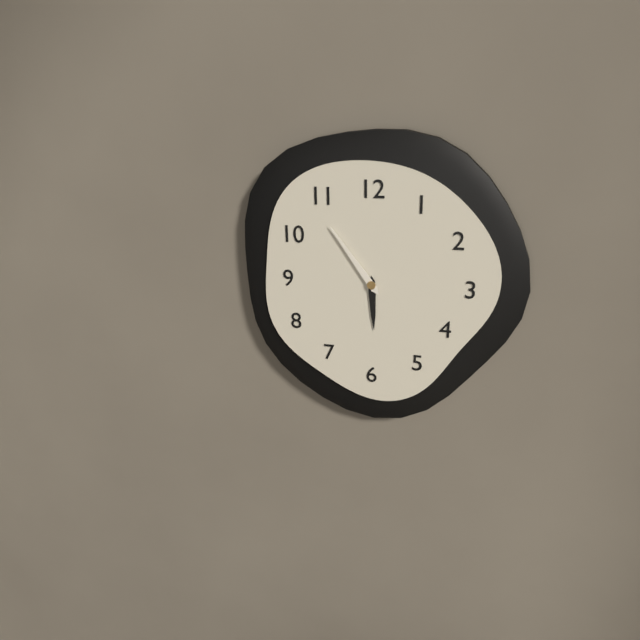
5,54
